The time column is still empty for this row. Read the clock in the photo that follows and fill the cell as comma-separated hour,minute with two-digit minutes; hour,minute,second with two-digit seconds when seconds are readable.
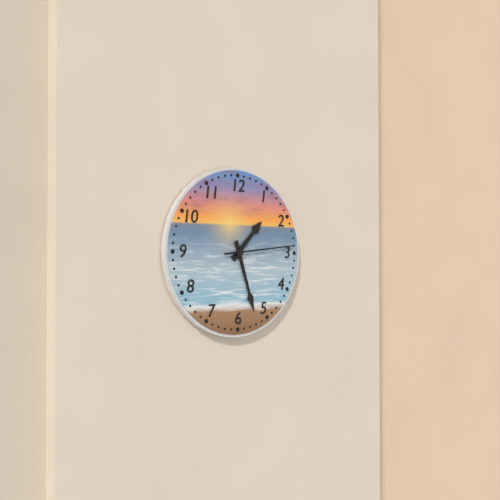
1,27,14
